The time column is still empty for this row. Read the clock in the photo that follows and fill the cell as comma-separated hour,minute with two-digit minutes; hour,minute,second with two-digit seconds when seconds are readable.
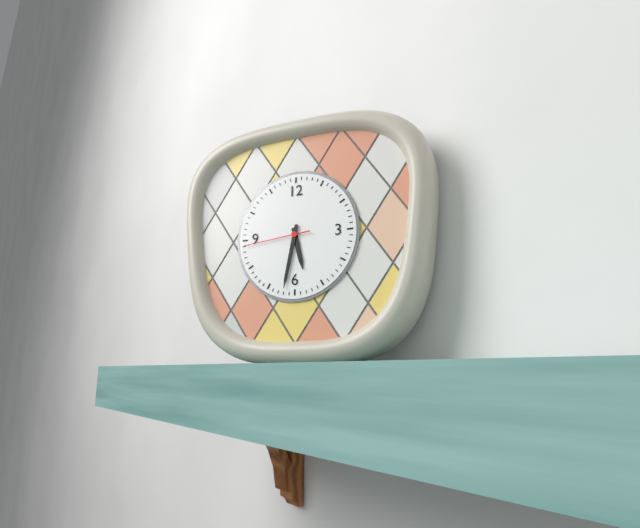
5,32,44
